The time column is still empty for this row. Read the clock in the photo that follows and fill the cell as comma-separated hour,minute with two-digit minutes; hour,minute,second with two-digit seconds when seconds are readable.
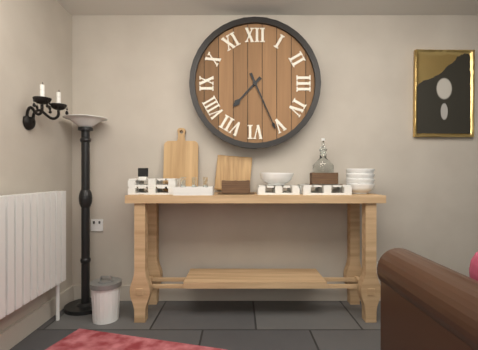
7,26
